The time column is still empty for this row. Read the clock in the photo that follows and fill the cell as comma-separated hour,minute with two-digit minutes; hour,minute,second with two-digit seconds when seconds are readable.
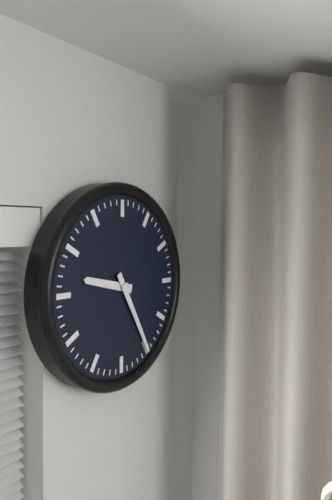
9,25
